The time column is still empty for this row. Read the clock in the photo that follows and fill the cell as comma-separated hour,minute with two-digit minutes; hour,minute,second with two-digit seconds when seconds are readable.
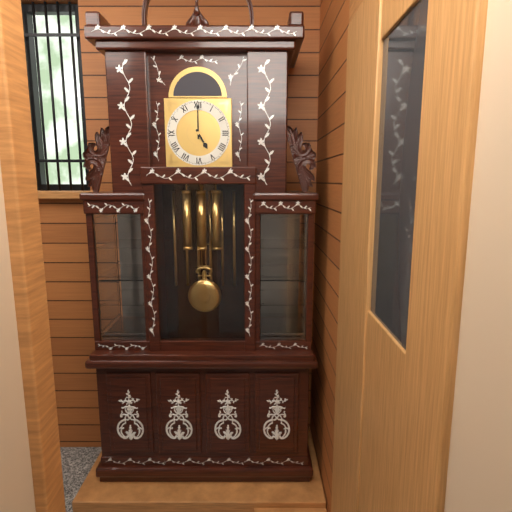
5,00
